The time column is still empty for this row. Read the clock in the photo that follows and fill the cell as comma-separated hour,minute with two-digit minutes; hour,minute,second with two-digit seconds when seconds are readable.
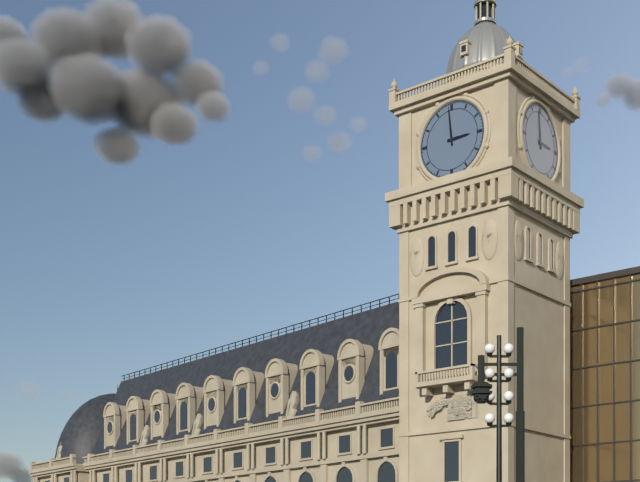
2,59
